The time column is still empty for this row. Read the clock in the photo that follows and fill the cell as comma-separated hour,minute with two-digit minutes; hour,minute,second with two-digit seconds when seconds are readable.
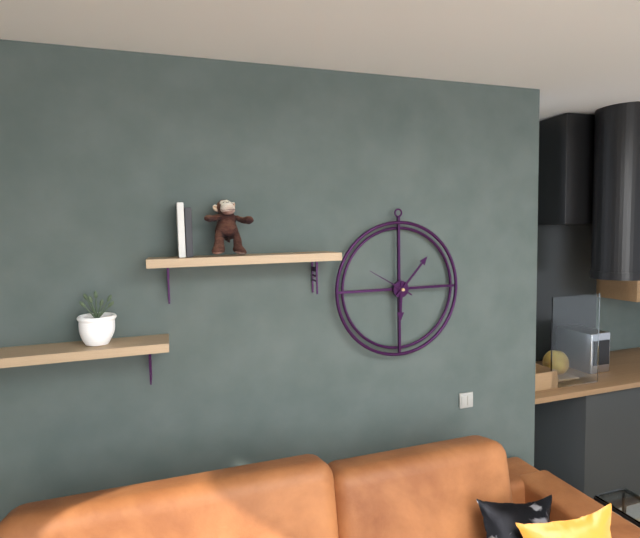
6,07
